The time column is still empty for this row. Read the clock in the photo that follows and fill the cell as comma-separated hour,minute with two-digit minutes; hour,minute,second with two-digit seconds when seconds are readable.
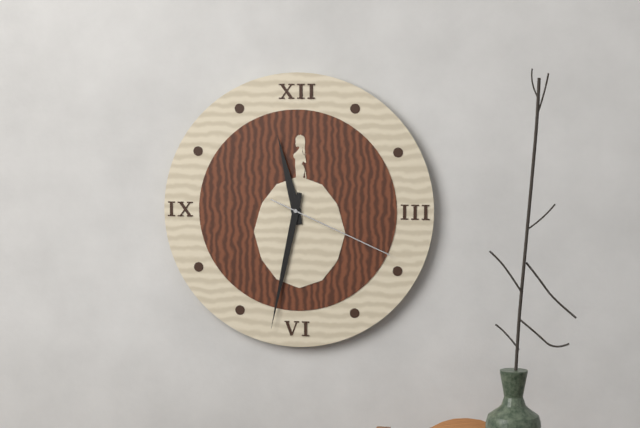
11,32,19
